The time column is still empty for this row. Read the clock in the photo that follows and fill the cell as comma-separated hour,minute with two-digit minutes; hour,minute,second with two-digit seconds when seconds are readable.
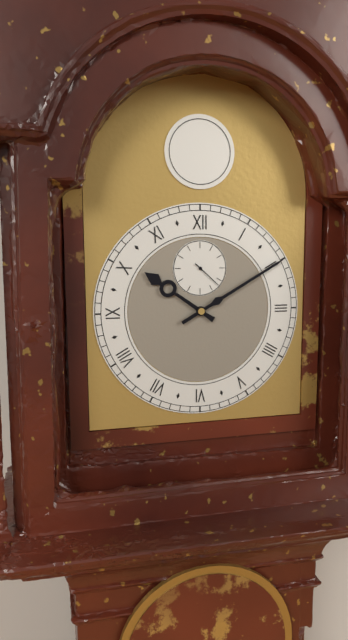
10,10
